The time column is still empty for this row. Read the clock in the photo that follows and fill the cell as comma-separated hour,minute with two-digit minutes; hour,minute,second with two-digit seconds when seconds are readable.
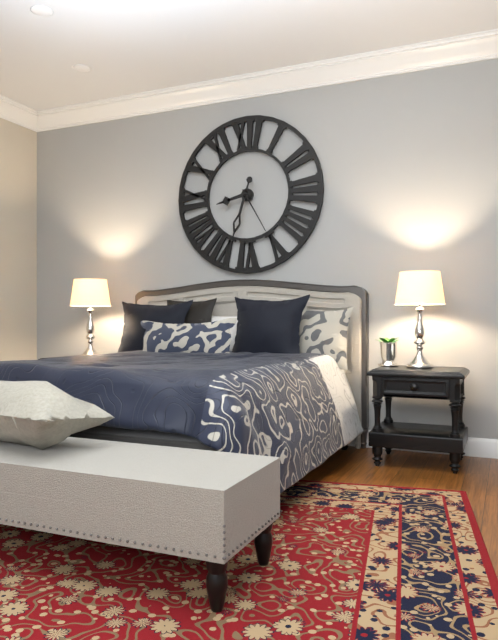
8,33,25
